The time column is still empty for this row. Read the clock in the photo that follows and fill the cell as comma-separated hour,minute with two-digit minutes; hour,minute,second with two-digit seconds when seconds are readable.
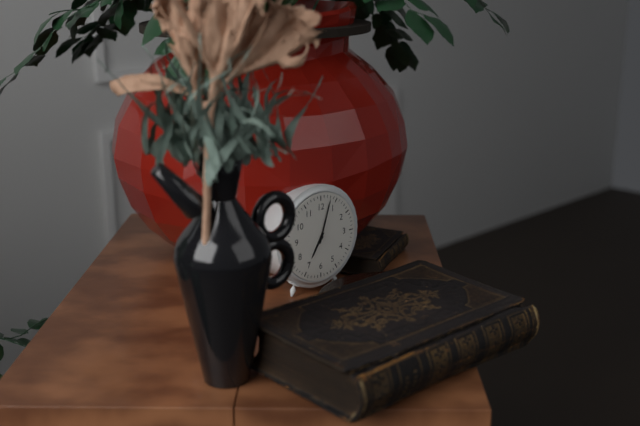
7,03
